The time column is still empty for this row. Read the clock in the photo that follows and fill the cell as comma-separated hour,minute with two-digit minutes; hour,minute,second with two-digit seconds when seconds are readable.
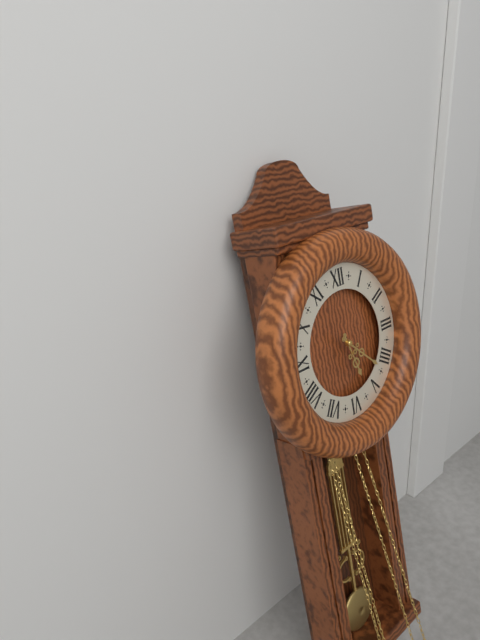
5,22
